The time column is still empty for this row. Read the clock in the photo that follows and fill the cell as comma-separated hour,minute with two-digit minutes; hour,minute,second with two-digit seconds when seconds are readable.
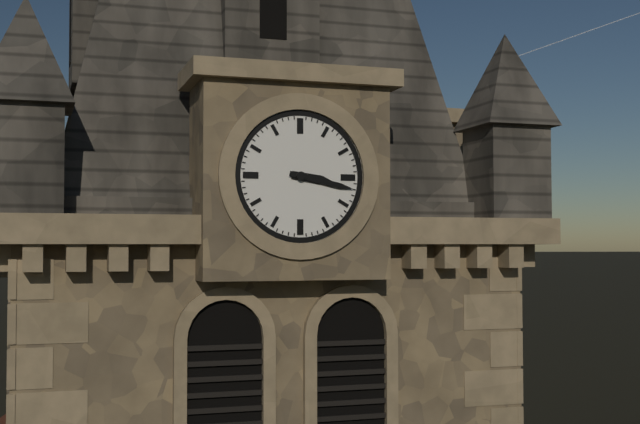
3,17
